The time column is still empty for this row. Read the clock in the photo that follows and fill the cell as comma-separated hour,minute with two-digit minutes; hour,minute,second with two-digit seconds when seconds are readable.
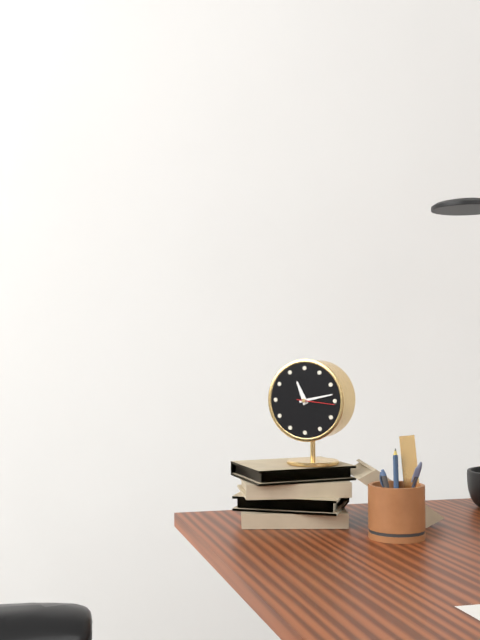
11,13
